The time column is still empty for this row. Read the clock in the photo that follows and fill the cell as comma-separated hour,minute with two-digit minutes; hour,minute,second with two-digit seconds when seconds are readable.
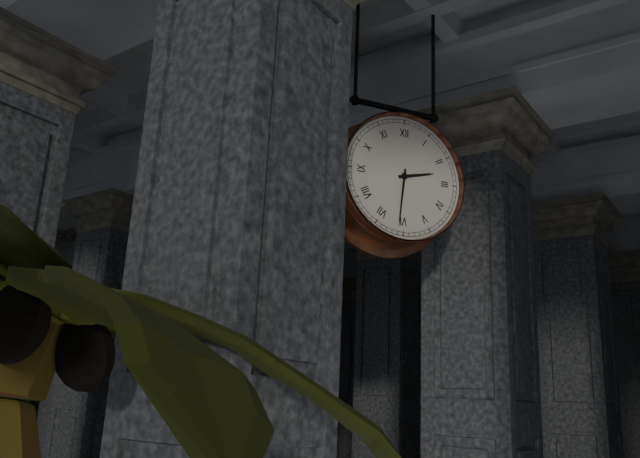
2,31
